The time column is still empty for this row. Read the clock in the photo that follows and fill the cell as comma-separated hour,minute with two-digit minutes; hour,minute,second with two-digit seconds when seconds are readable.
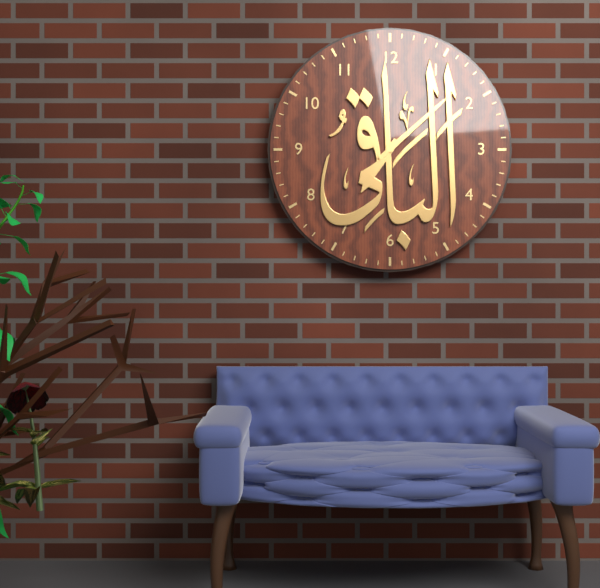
7,08
